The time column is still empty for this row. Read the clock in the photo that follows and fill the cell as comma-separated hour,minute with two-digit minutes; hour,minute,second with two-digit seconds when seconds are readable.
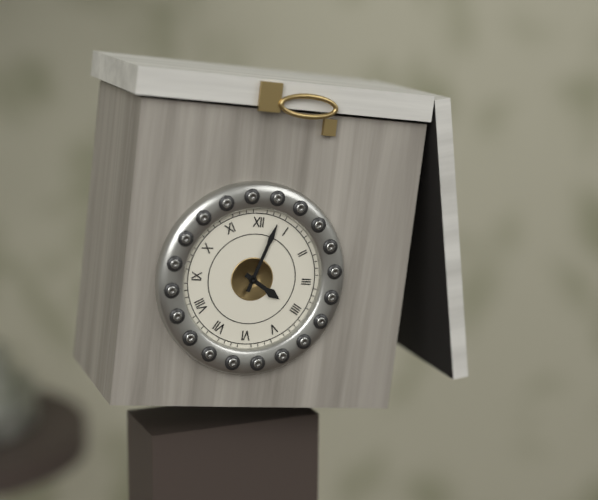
4,03
